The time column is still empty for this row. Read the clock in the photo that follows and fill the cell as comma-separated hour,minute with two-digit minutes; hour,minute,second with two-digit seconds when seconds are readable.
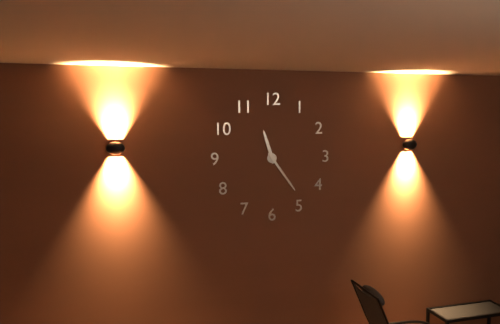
11,24
